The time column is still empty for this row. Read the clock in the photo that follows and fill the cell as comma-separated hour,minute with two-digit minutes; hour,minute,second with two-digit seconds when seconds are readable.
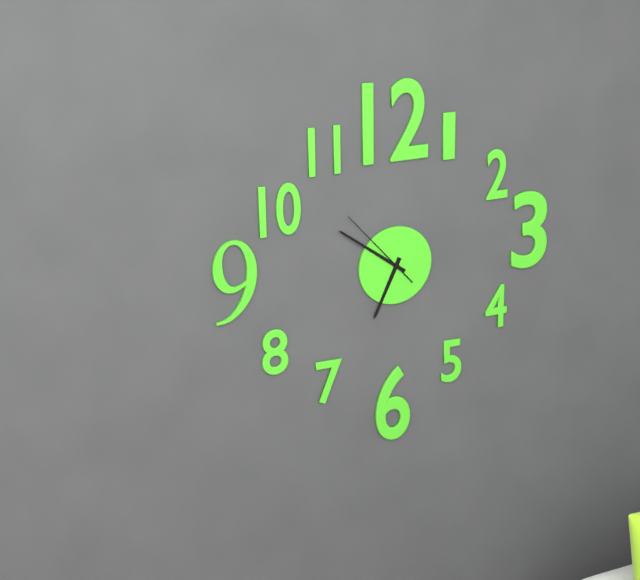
6,51,53
